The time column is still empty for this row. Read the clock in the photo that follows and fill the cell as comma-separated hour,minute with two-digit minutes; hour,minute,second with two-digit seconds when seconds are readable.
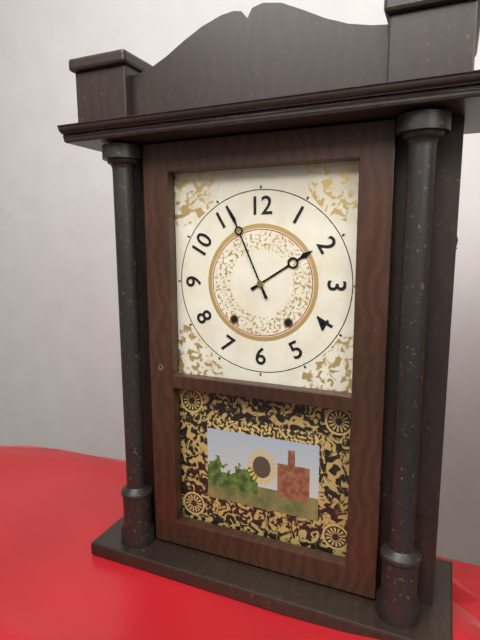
1,56
